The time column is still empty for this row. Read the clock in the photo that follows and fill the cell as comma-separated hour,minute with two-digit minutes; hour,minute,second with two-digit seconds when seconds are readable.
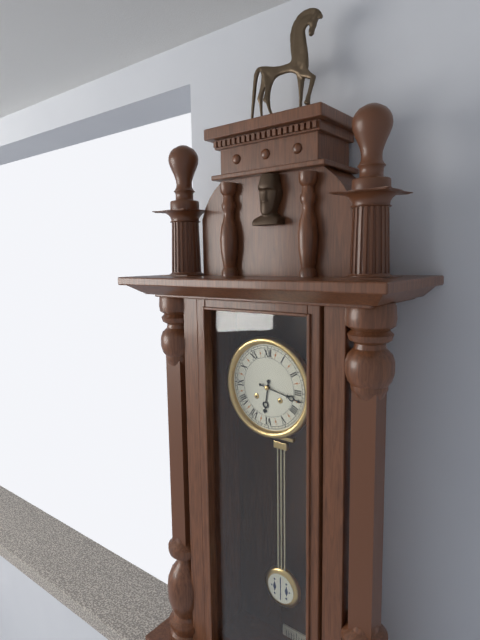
6,17
